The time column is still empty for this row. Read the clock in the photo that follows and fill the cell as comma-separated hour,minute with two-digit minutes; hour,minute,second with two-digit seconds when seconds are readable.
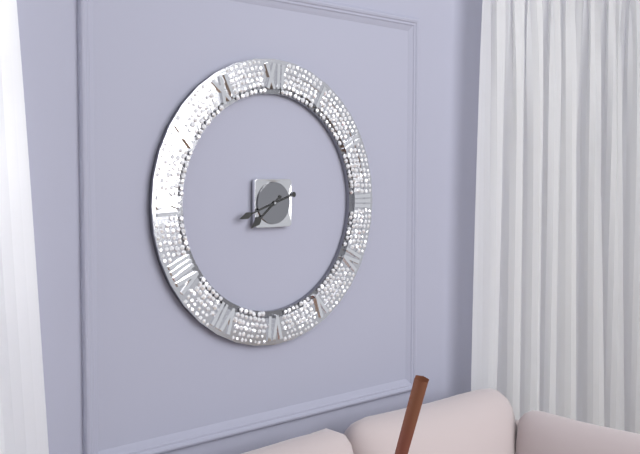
7,42
